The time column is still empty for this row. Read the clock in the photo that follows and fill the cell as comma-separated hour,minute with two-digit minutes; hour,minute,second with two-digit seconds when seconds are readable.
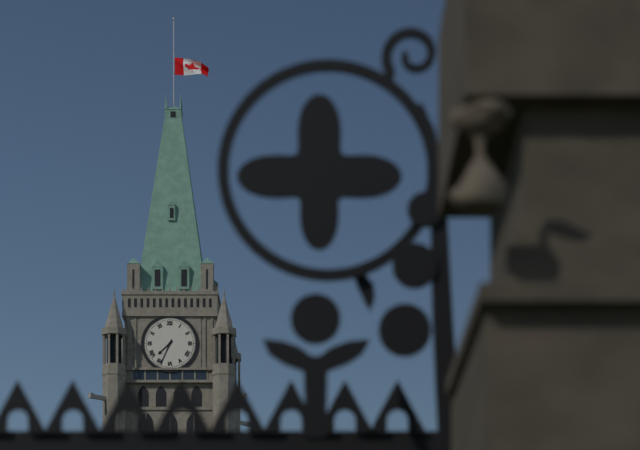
7,34
